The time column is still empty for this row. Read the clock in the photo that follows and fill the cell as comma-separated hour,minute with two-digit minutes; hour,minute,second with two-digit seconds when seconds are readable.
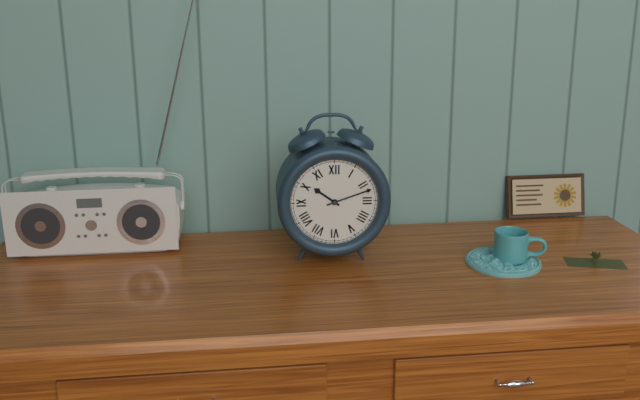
10,12
